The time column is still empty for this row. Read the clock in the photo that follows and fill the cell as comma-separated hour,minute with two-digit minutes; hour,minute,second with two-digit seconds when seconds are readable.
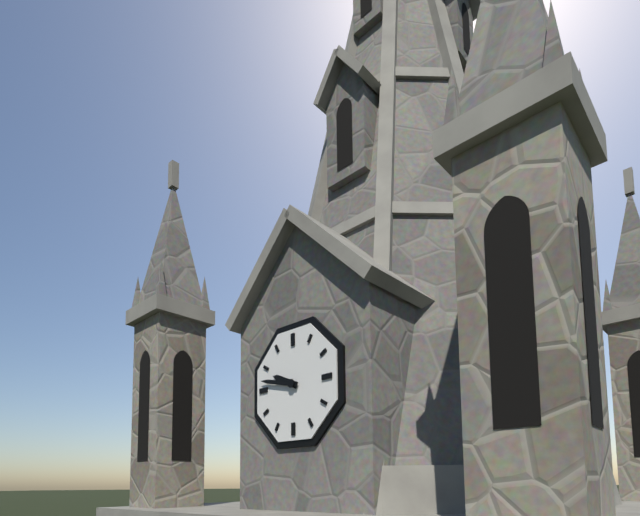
9,47
